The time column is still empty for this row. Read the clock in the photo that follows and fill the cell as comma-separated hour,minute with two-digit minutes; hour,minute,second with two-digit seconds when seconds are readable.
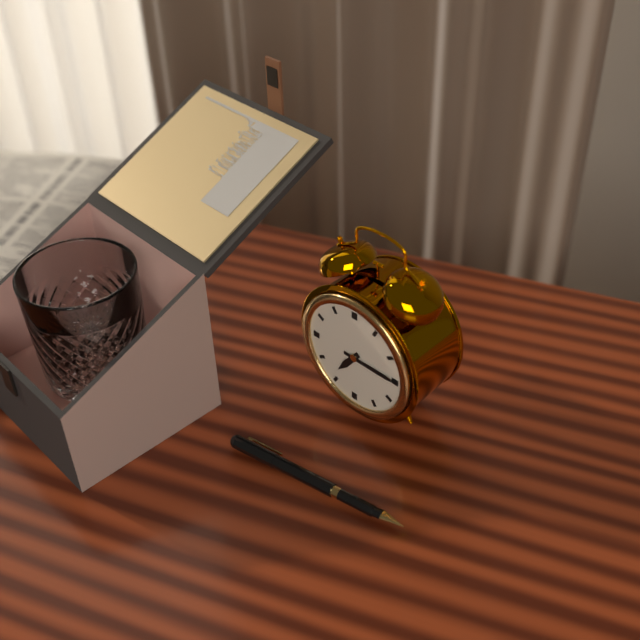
7,15
